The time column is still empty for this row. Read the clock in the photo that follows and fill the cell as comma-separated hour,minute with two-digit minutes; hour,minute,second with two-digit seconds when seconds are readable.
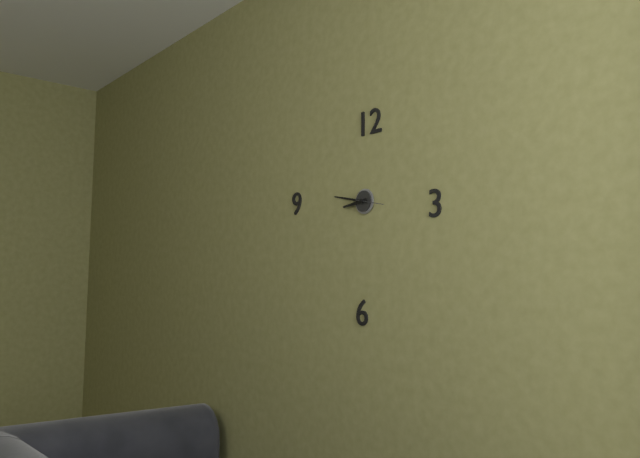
8,47
